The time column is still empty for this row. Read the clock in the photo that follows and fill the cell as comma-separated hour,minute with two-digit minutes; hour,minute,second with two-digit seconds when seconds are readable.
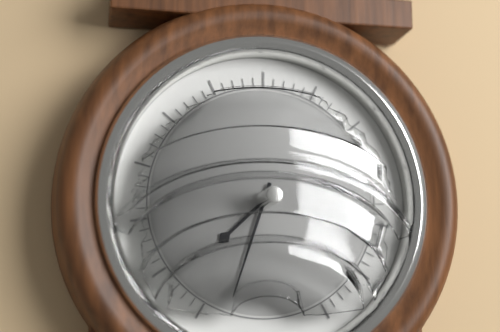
7,33
